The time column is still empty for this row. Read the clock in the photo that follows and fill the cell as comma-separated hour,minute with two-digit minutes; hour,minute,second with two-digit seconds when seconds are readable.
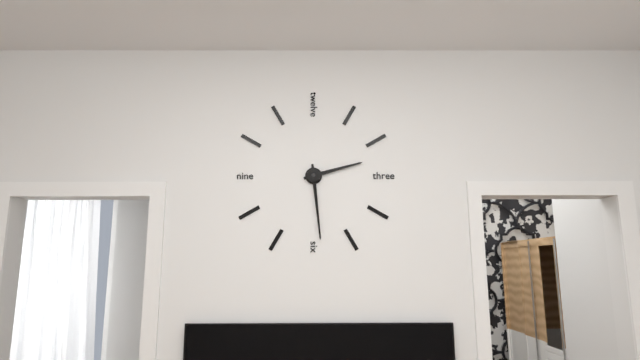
2,29
